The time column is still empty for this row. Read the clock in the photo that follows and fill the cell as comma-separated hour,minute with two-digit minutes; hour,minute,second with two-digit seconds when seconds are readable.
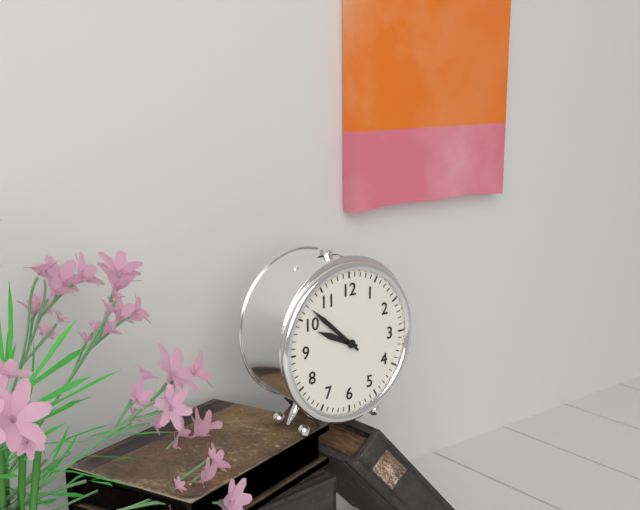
9,52
